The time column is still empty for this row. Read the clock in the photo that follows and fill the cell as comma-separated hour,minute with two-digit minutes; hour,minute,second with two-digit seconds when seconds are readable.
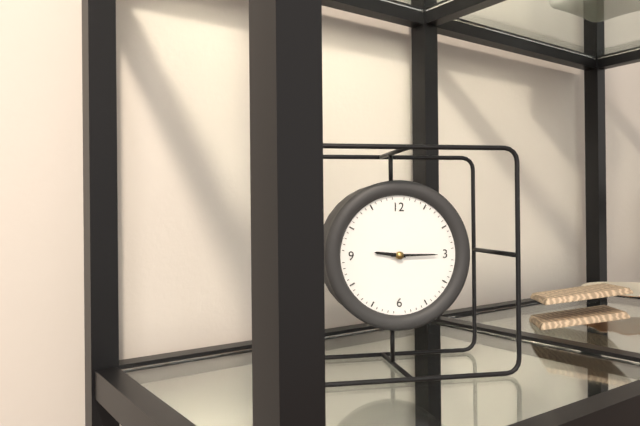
9,15
